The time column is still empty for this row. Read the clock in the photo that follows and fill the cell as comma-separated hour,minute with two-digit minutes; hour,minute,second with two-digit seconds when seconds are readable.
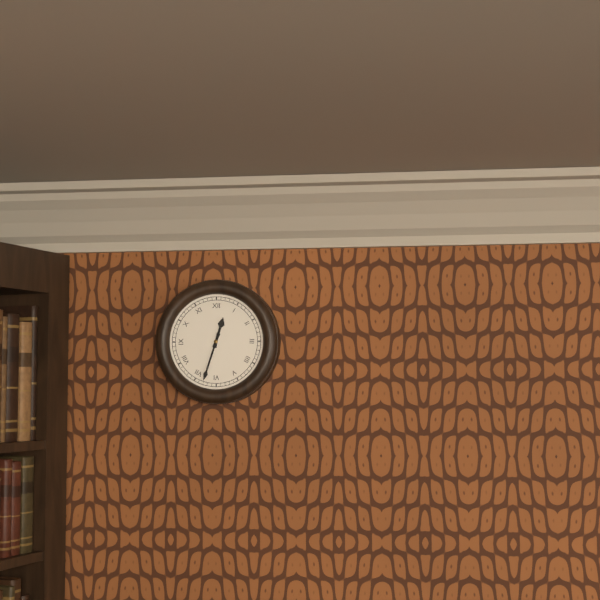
12,33
